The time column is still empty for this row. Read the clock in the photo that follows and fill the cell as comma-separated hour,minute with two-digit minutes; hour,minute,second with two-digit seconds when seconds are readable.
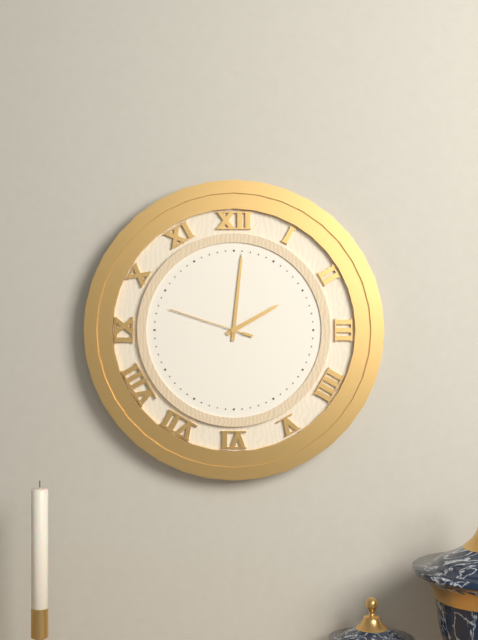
2,01,48
